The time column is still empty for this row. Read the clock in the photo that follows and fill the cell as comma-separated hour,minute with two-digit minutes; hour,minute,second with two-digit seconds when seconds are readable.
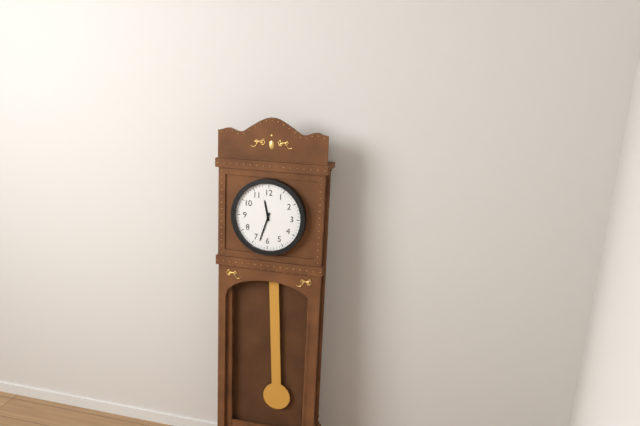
11,33
